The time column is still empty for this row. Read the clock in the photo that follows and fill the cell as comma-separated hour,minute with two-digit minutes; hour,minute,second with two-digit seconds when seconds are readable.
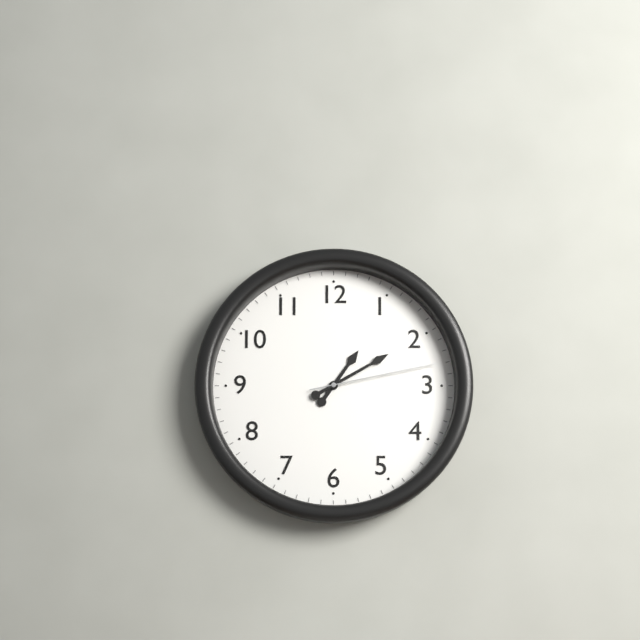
1,10,13
